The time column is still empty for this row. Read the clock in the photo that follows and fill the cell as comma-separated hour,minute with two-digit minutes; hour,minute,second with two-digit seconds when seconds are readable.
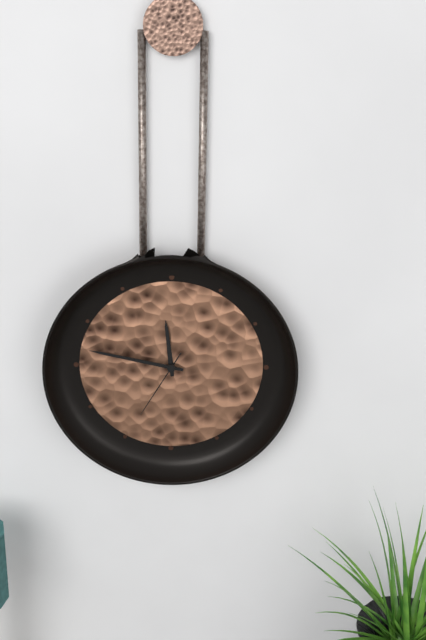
11,47,35
